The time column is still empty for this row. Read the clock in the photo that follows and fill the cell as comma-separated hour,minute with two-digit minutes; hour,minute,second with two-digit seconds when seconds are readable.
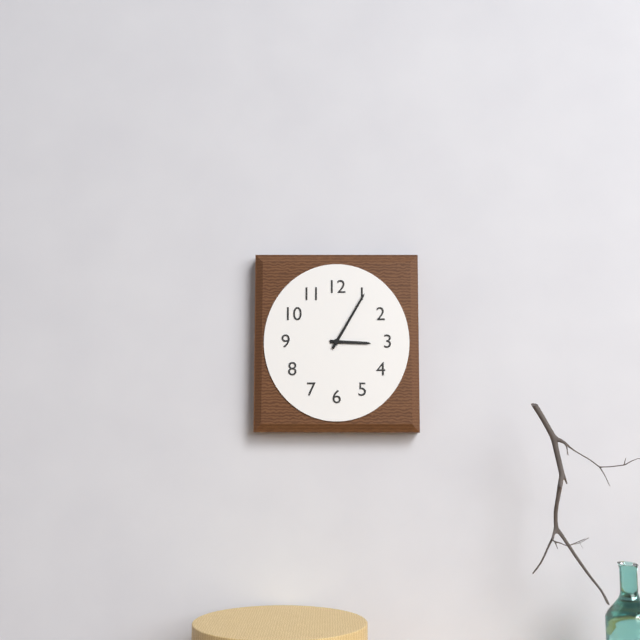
3,05
